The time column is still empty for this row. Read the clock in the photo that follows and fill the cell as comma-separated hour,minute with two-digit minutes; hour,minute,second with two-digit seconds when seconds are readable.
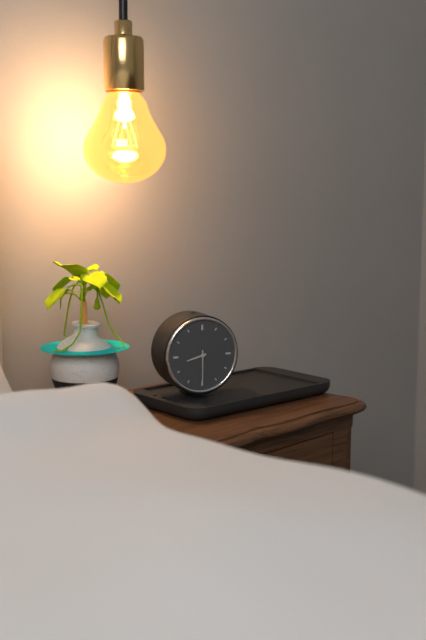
8,30
